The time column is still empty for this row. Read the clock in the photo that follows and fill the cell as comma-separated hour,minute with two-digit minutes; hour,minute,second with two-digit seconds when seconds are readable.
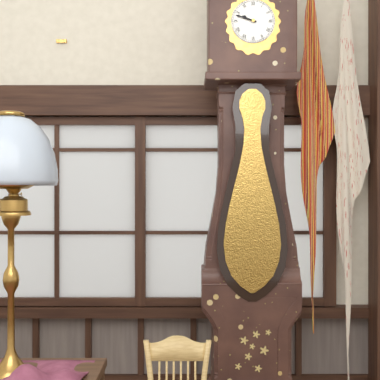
9,48
